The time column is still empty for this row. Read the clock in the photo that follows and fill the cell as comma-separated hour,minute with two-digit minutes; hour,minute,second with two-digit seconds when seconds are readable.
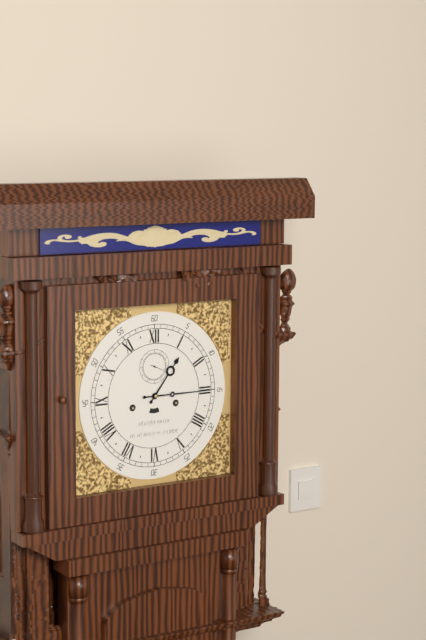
1,15
